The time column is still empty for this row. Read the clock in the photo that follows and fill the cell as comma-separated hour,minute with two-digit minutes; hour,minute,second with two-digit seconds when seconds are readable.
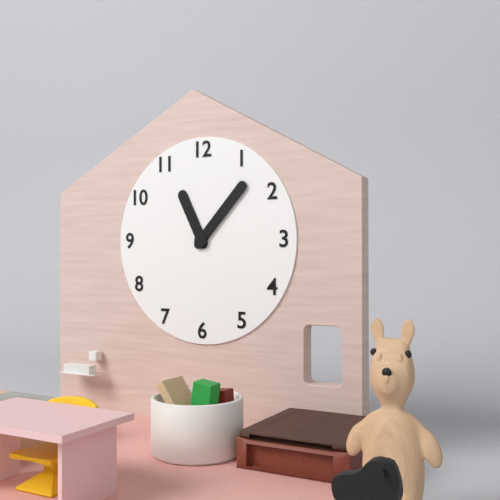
11,07
